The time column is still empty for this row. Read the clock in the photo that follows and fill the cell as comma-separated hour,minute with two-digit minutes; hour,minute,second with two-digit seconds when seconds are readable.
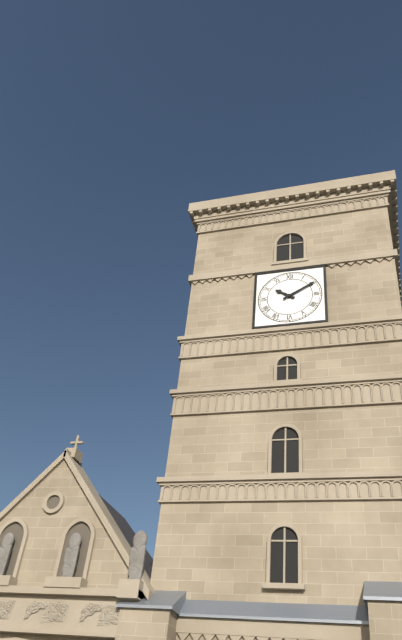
10,10
